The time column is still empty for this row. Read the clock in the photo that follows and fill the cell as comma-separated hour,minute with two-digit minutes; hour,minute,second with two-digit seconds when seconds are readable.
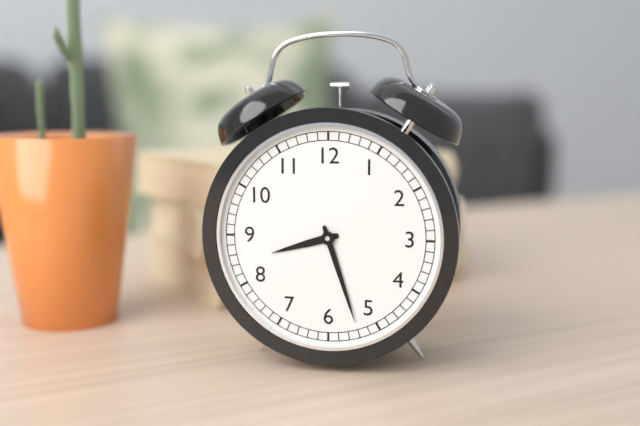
8,27
